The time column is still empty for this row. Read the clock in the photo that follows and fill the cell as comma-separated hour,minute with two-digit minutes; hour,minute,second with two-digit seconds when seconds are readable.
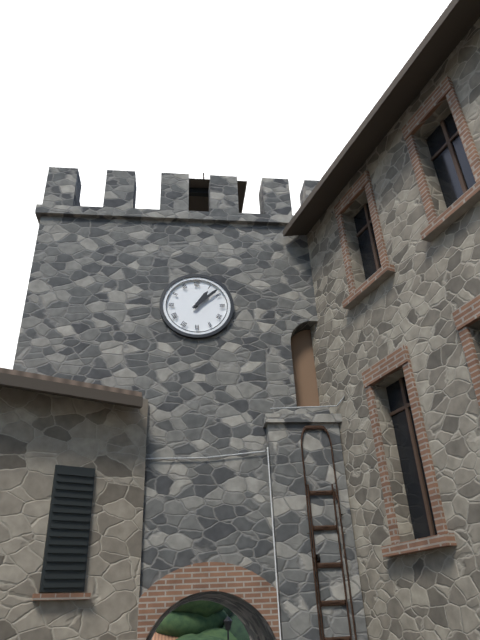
1,08
